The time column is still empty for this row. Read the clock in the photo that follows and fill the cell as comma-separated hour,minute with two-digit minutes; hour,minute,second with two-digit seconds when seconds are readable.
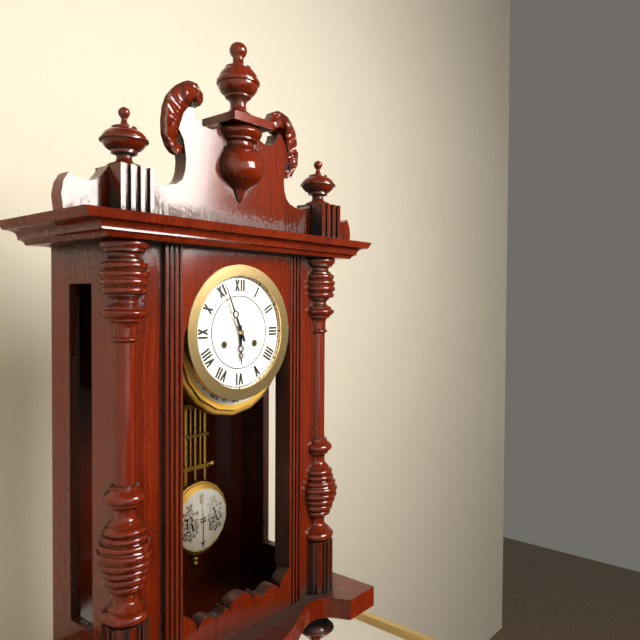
5,56
